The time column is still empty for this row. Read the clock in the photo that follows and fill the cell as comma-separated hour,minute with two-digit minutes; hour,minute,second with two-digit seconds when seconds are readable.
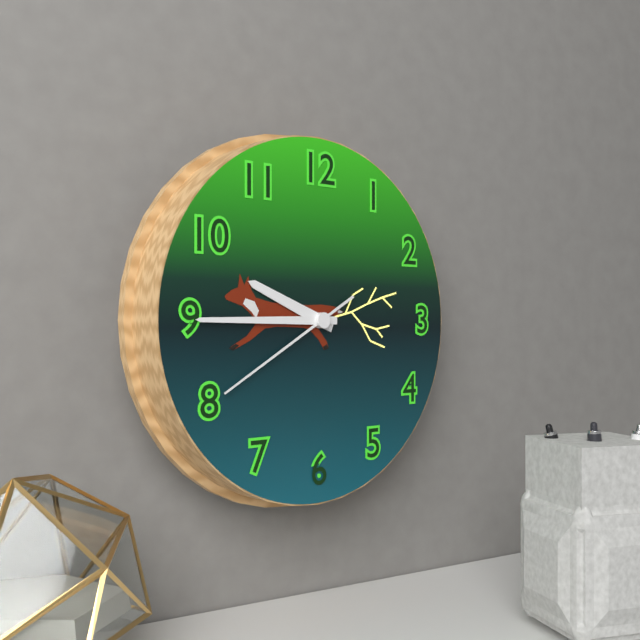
9,45,40
